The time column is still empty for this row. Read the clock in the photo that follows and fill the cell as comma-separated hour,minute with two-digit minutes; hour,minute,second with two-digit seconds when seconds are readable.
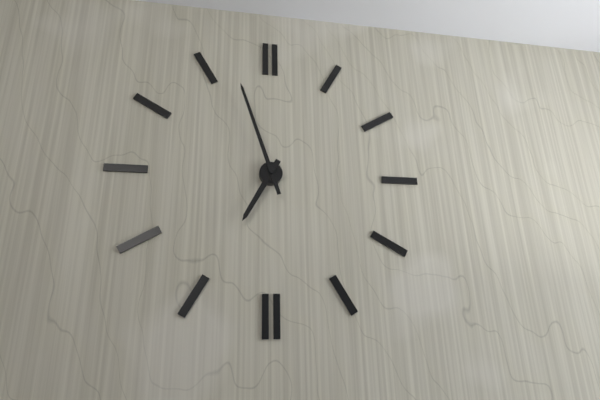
6,57
